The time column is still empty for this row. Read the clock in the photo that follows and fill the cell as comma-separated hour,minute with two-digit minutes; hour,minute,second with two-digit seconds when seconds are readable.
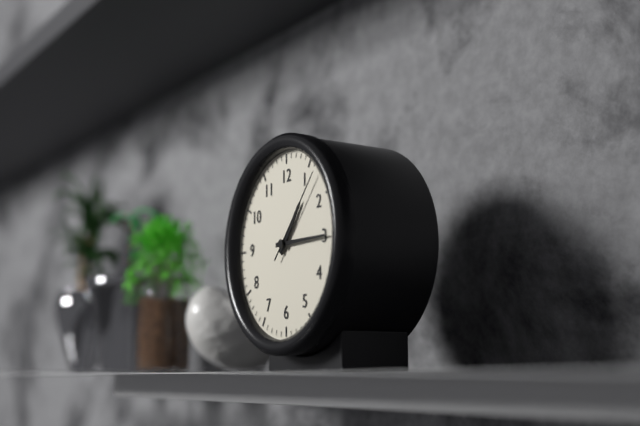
1,15,07
